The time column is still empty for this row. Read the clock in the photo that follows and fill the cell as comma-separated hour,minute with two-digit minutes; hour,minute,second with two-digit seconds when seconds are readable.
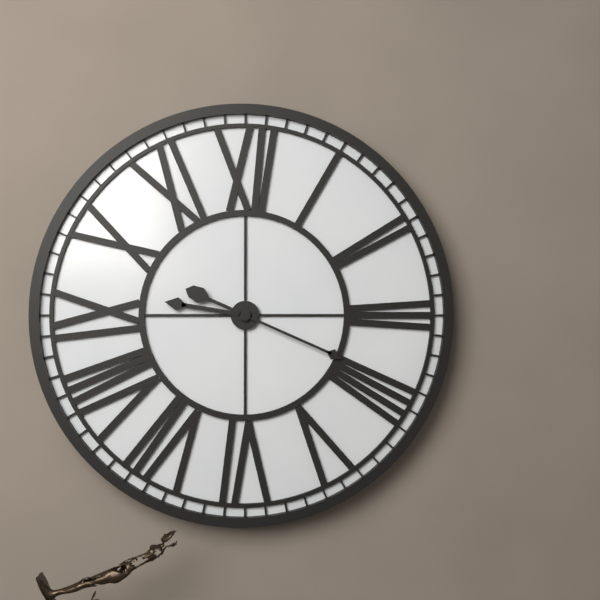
9,19
